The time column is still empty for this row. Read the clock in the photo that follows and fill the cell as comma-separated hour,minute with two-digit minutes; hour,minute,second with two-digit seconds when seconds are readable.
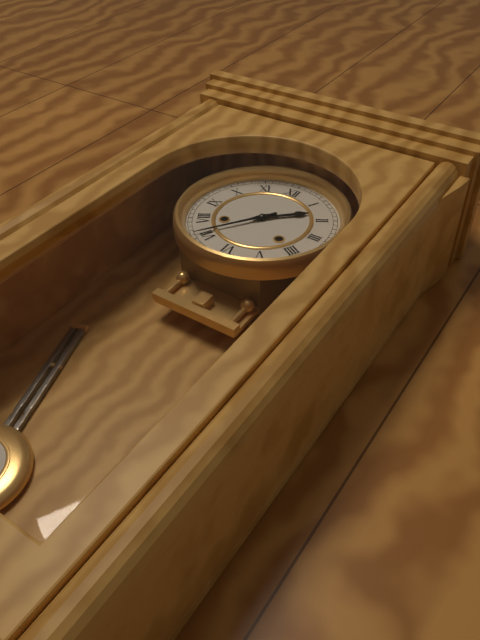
1,36
